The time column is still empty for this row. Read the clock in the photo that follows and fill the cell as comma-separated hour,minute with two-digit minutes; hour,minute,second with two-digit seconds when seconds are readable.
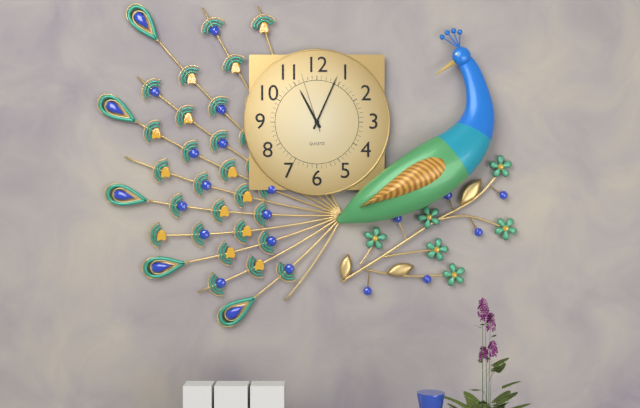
11,04,57
